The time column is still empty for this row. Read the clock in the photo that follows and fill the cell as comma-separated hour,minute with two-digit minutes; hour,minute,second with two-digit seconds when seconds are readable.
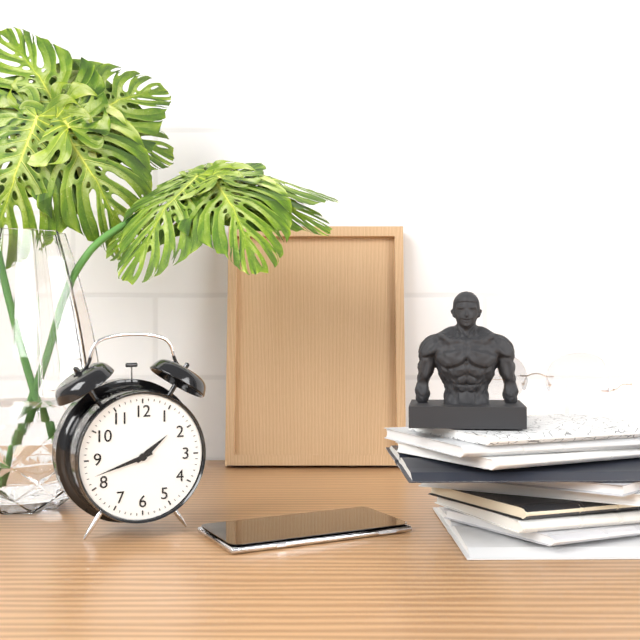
1,42
